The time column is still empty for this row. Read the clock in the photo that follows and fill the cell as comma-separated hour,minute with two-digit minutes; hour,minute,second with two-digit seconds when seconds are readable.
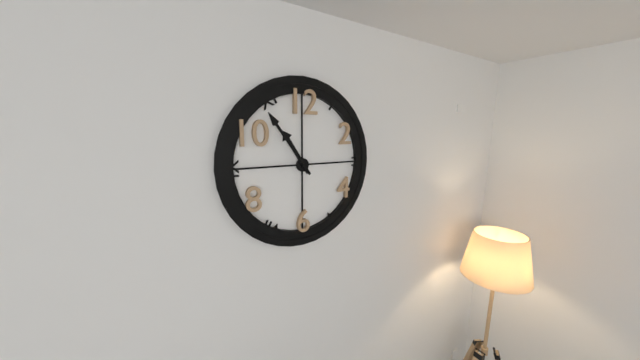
10,54
